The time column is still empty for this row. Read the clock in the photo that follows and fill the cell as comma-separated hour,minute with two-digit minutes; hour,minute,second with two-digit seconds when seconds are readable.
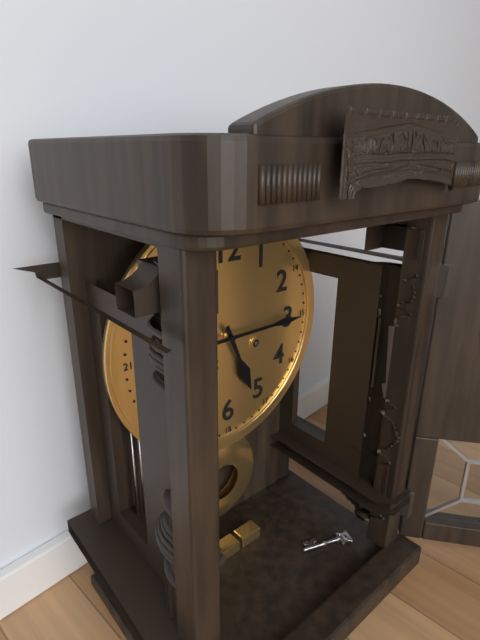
5,15
